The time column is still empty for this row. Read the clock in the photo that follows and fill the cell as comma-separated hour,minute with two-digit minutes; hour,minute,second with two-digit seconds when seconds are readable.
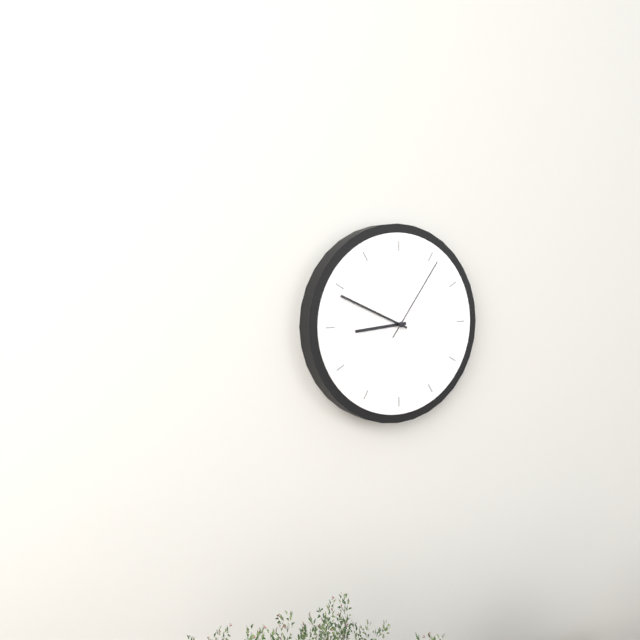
8,49,06
